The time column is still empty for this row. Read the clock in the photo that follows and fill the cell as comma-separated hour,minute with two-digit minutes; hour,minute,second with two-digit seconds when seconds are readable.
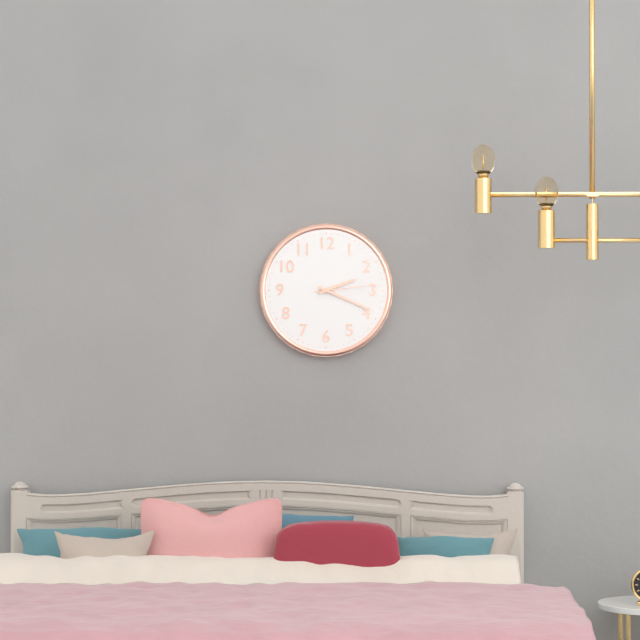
2,19,14
